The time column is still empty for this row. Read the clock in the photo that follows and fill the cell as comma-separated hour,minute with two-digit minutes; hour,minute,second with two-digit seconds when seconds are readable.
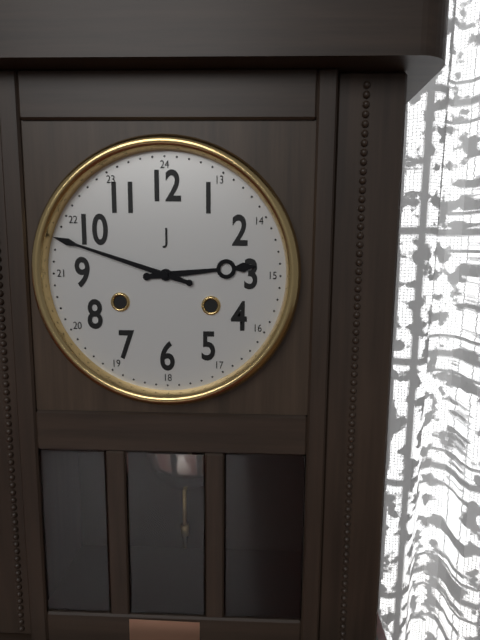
2,48
